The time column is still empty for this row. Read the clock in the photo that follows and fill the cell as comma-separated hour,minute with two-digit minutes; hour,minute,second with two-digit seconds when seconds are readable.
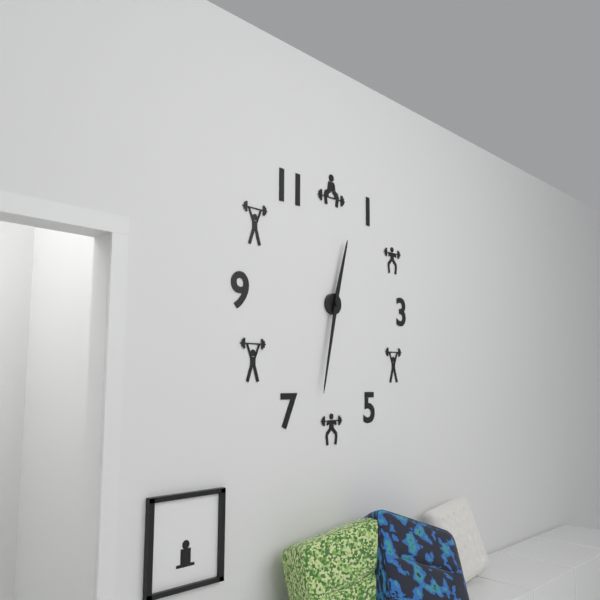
12,32
